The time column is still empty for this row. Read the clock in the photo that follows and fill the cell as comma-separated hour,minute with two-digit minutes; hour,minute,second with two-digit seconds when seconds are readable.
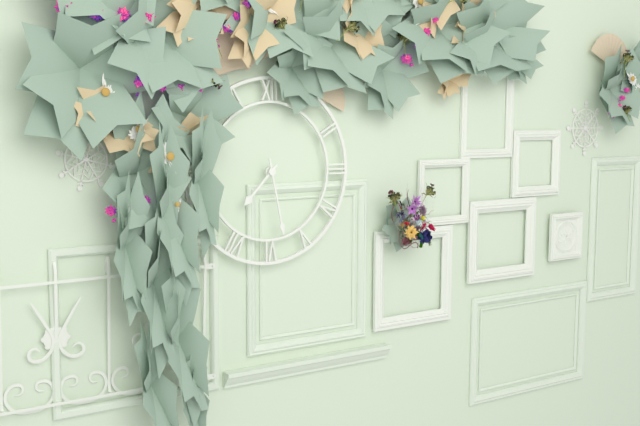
7,28
